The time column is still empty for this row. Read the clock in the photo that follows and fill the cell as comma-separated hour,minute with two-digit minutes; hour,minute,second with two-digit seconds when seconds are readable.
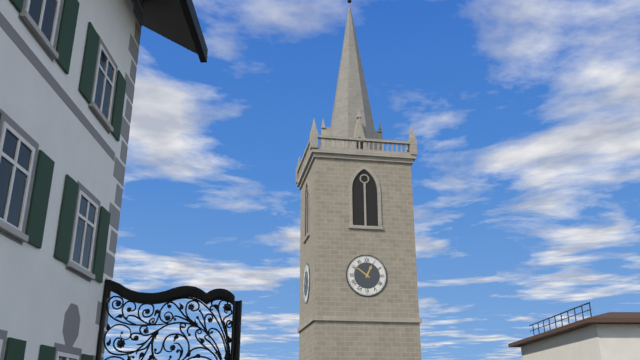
12,51
